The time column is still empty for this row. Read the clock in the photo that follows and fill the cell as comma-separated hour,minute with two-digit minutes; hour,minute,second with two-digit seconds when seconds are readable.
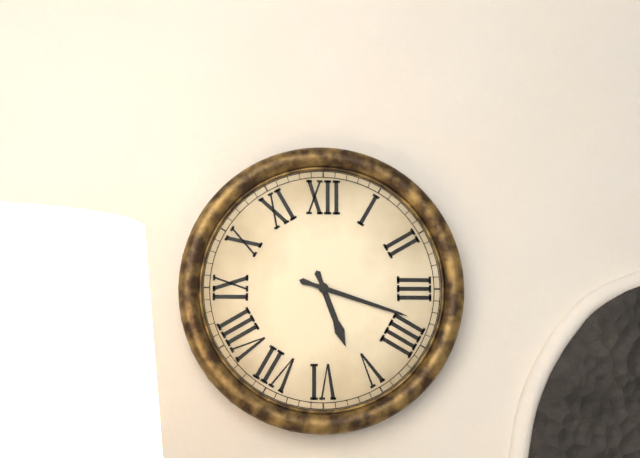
5,18
